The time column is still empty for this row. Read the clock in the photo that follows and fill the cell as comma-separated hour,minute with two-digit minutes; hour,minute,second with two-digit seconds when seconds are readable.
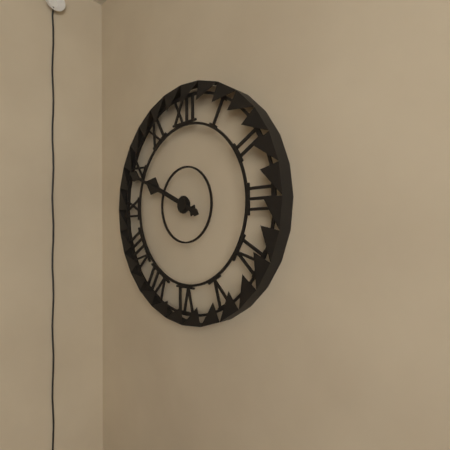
9,49
